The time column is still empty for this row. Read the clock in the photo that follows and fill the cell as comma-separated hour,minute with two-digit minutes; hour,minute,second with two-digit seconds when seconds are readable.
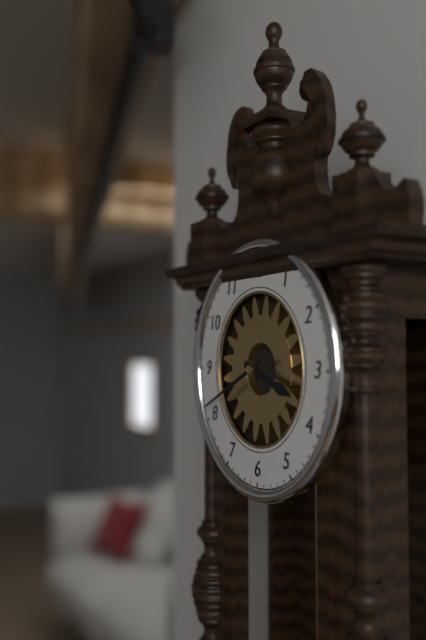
3,41
